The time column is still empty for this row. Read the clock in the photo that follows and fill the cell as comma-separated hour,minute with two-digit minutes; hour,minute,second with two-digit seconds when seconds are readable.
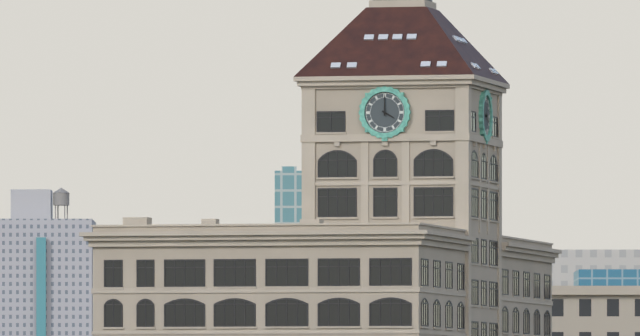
4,00
